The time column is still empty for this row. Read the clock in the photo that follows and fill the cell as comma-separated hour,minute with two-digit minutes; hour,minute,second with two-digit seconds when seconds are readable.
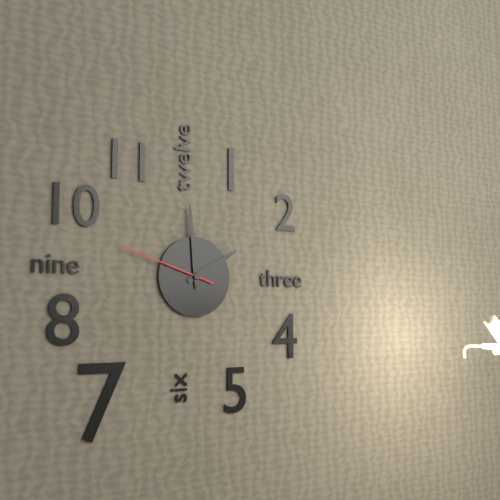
1,59,48
